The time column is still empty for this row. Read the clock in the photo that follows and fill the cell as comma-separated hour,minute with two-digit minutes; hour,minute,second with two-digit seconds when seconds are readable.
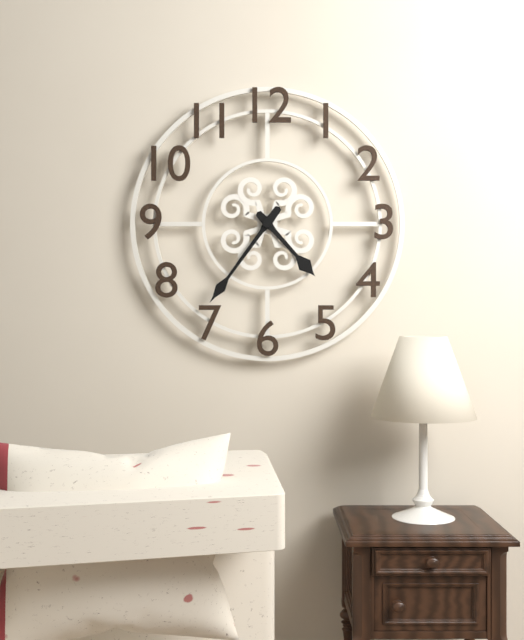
4,36
